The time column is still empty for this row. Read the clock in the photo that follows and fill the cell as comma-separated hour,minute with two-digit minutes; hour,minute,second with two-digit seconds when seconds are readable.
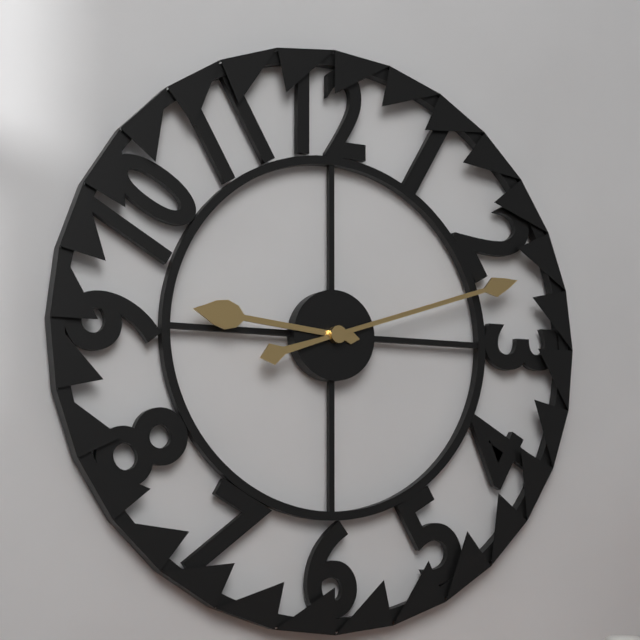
9,12
